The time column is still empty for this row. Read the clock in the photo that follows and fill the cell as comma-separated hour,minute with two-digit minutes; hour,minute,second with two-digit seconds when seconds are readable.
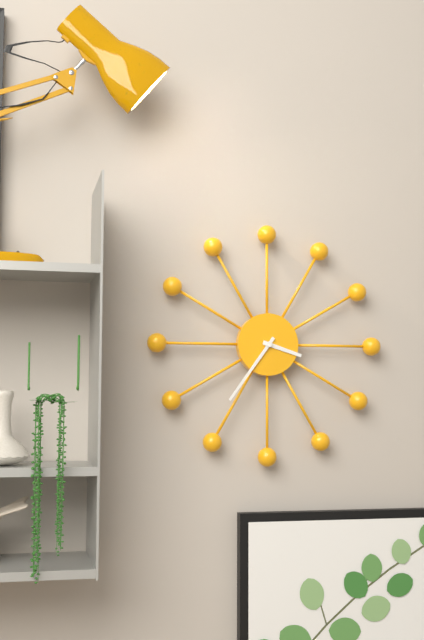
3,36
